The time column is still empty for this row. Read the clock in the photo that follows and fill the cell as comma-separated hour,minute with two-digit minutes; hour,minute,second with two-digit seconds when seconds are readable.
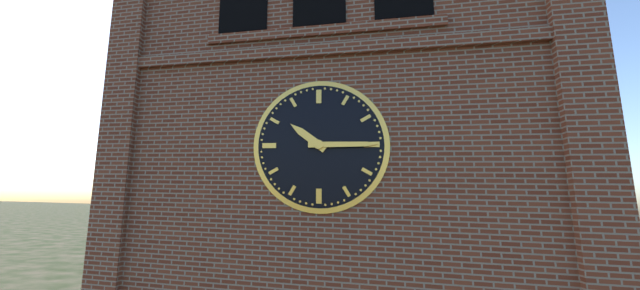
10,15
